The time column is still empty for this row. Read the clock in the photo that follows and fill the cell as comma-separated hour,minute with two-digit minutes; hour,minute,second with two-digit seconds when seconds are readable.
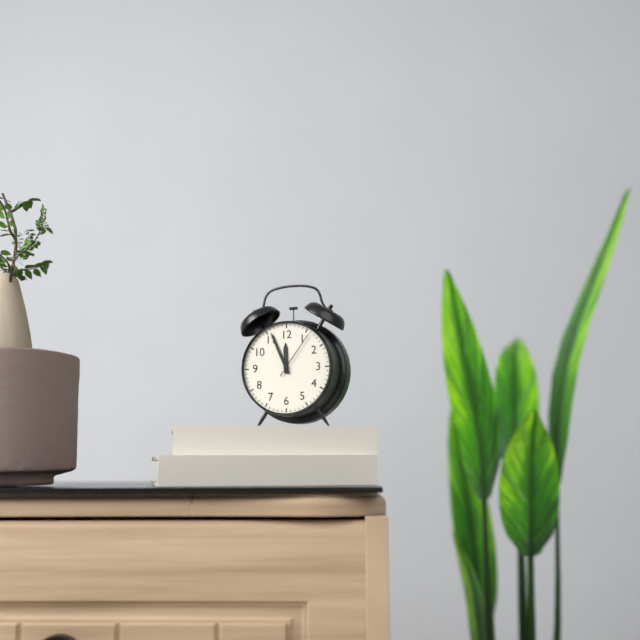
11,56,06
